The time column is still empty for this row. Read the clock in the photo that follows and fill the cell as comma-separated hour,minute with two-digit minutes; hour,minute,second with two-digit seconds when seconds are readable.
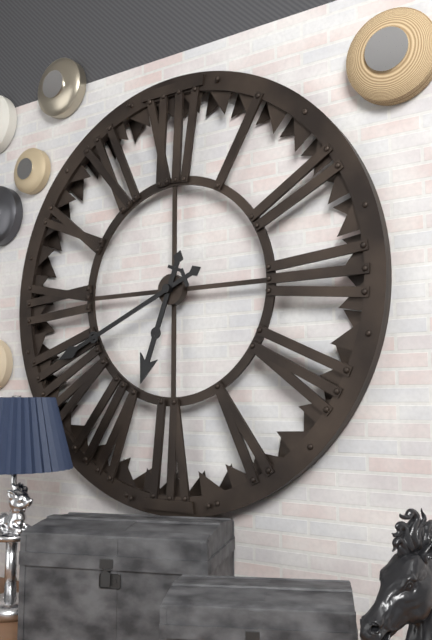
6,41
